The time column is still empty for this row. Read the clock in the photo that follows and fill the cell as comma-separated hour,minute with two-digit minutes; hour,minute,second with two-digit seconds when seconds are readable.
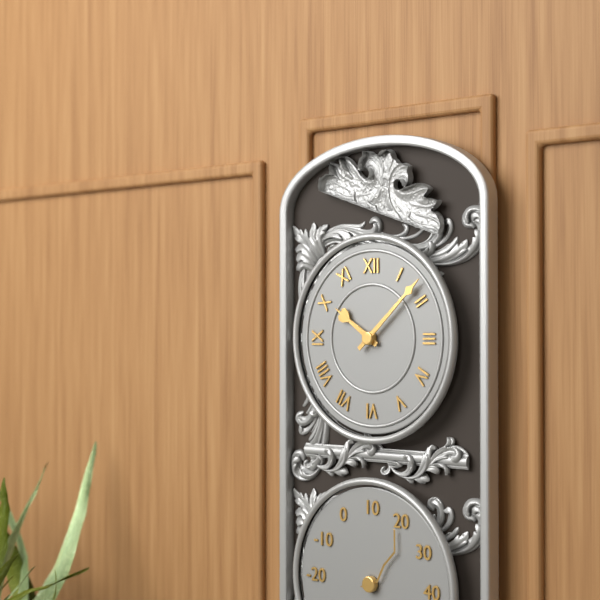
10,08
